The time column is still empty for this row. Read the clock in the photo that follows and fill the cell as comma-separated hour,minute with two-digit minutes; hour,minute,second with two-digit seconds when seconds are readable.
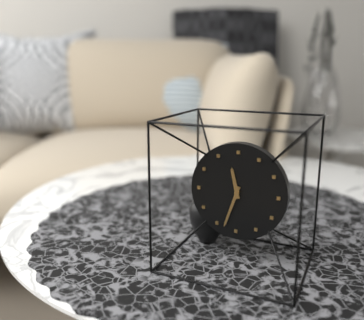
11,33
